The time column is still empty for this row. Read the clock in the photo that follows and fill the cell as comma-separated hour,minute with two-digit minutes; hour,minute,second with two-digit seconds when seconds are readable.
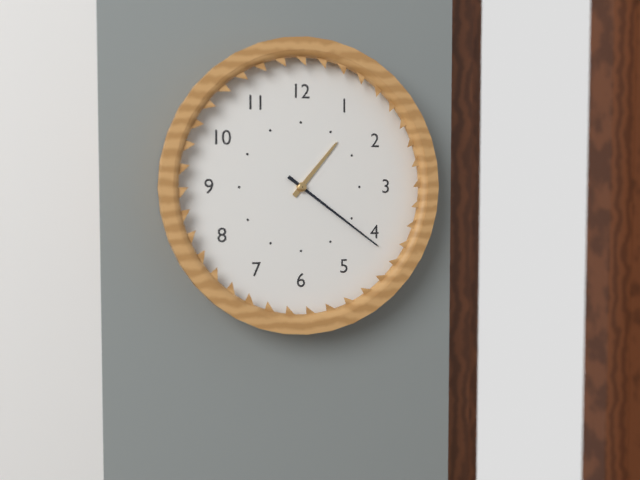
1,21
